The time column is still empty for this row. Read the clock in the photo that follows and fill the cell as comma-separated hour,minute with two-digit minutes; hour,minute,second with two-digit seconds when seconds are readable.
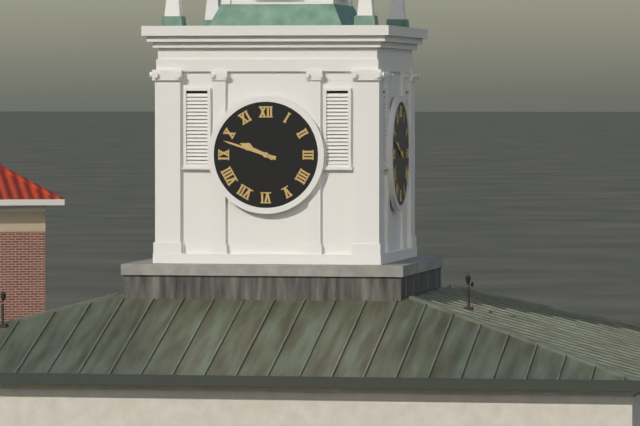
9,48
